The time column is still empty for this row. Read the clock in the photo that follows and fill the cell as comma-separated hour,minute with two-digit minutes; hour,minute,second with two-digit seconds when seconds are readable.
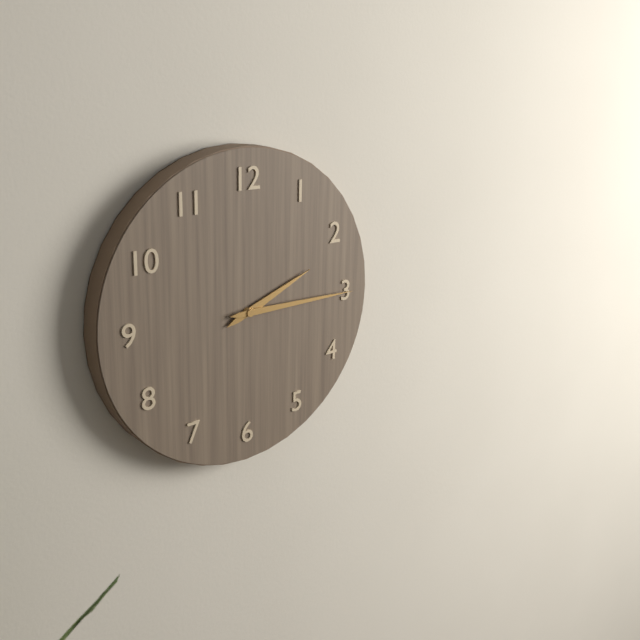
2,15
